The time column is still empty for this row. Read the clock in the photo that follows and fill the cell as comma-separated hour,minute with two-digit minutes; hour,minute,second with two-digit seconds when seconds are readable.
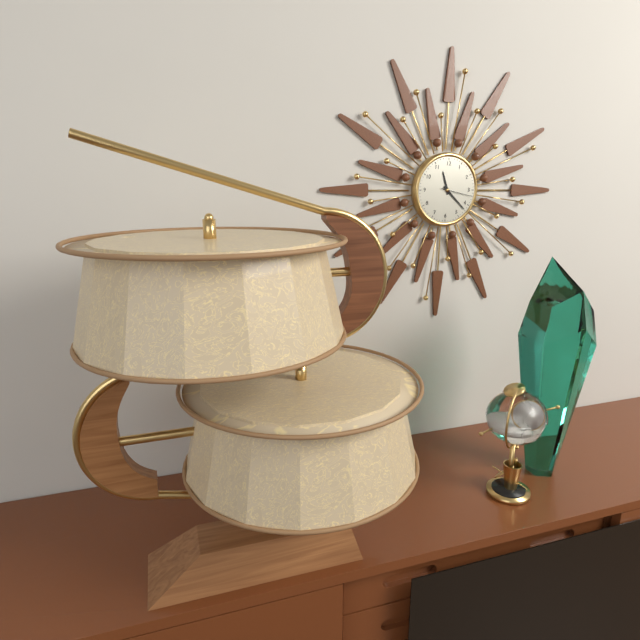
11,22
